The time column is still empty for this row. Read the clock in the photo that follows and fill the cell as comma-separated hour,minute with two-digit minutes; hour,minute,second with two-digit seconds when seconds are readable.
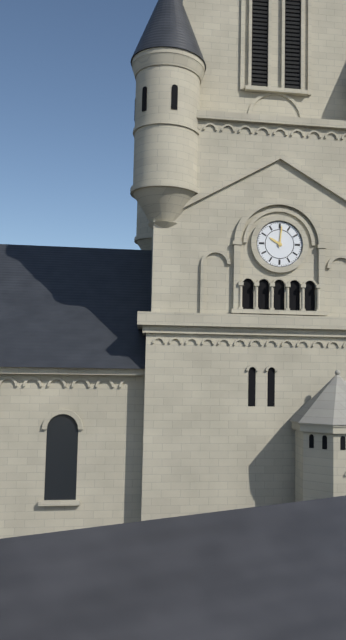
10,01
